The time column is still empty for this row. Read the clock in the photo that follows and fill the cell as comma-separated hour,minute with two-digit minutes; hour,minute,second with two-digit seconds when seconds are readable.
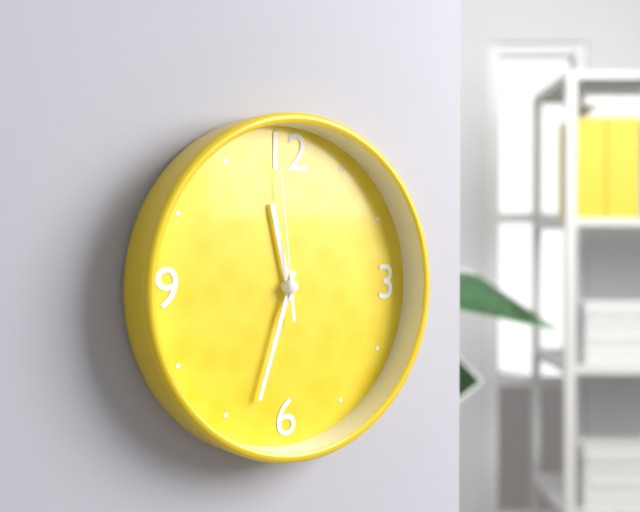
11,33,59
